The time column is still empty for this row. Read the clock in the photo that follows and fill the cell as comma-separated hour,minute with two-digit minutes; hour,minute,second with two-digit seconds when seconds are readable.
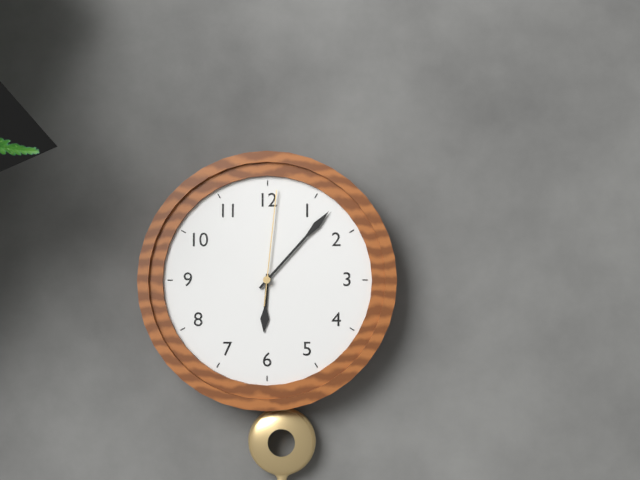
6,07,01
